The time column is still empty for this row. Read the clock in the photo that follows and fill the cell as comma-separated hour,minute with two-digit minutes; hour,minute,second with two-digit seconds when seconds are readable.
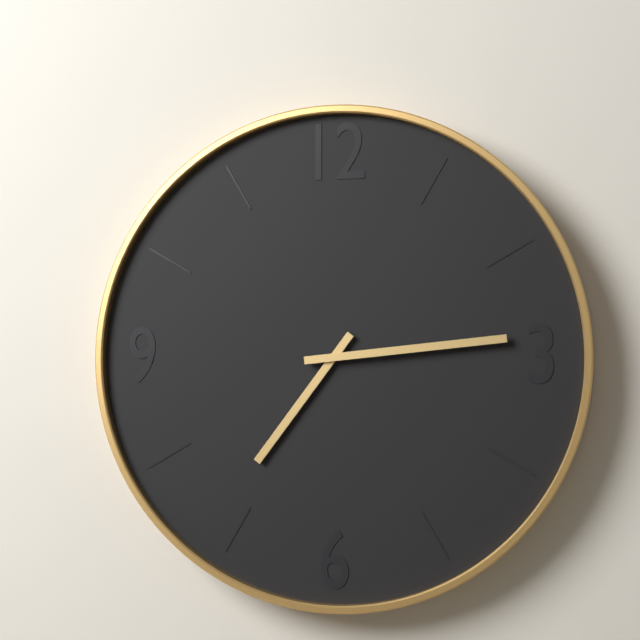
7,14
